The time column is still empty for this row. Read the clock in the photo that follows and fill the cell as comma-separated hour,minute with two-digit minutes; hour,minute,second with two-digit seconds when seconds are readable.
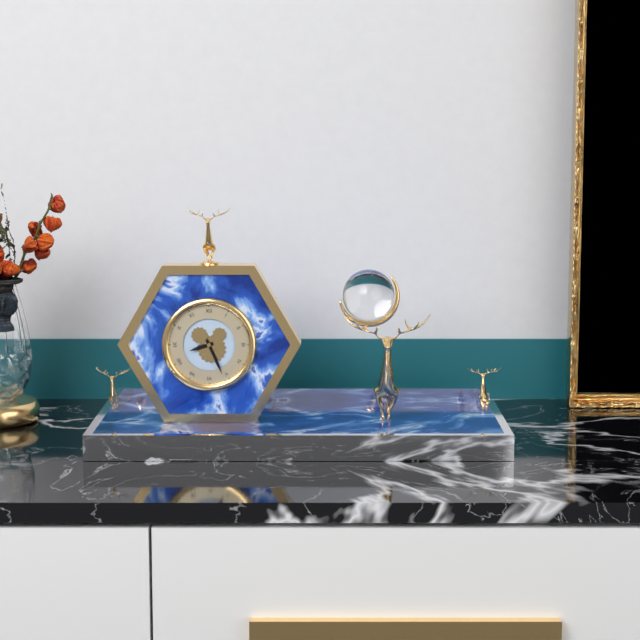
8,26
